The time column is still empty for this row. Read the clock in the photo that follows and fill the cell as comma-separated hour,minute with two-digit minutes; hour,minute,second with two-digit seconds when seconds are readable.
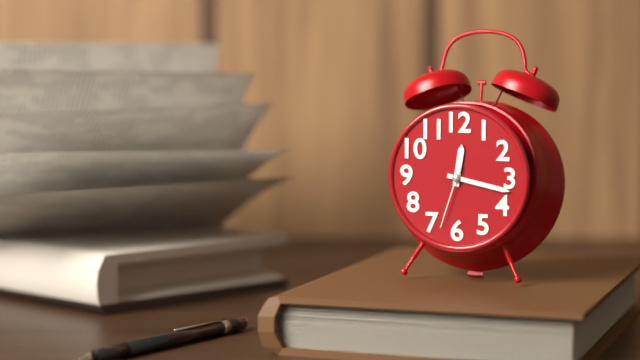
12,17,33
